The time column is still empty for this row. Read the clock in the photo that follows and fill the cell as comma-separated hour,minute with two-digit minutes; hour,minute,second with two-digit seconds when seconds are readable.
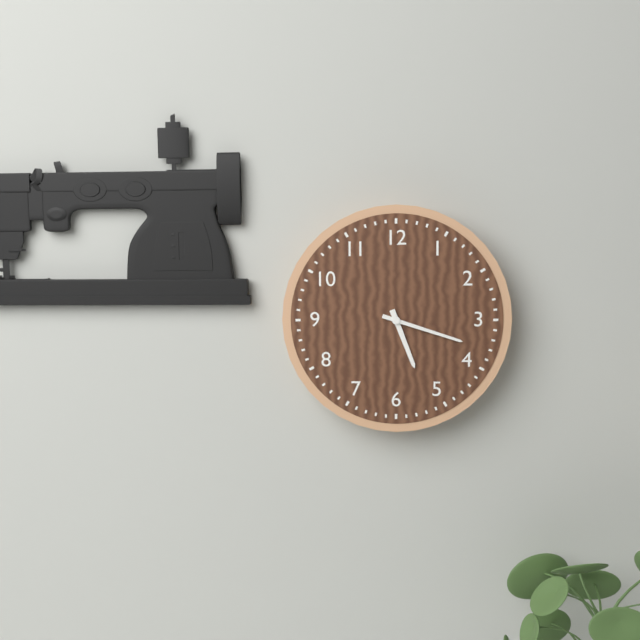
5,18
